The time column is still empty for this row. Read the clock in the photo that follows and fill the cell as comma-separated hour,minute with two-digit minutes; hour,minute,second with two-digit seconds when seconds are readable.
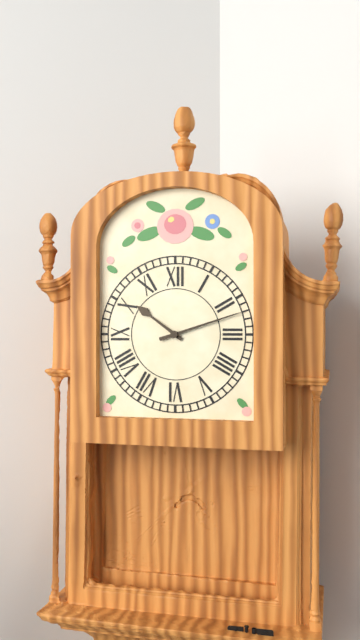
10,12
